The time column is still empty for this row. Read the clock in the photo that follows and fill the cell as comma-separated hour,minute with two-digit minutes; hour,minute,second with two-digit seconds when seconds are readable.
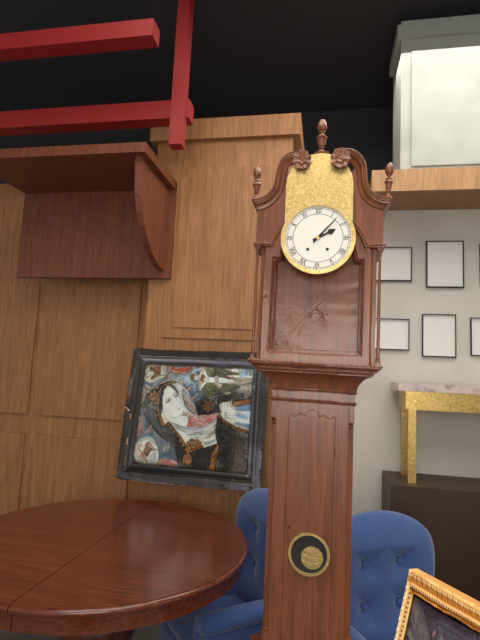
2,07
